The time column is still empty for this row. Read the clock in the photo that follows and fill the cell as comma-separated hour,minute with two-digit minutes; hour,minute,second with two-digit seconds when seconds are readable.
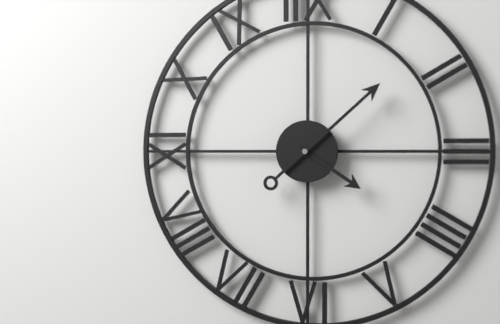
4,08
